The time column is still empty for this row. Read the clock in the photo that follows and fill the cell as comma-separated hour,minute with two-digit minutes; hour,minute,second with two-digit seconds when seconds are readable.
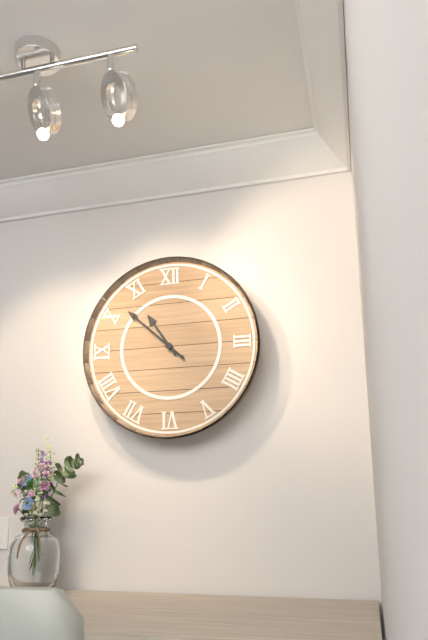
10,52
